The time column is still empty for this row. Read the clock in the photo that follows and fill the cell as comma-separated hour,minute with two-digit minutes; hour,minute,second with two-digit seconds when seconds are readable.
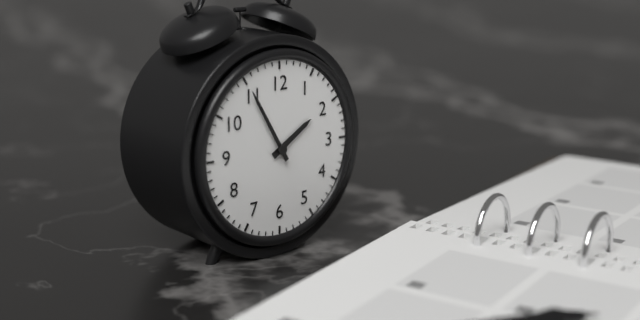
1,55
